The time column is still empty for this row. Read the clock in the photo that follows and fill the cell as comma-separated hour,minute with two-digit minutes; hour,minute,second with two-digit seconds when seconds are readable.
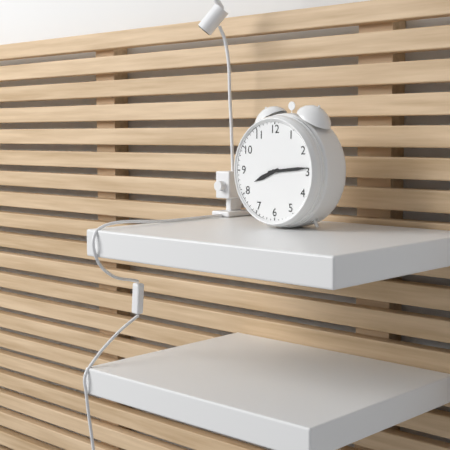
8,14
